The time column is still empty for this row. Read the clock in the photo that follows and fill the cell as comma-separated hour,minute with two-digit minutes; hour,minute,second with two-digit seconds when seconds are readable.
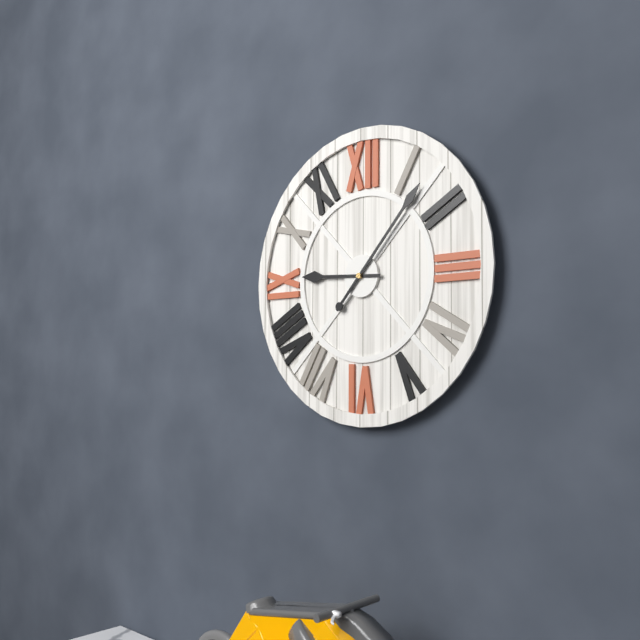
9,07
